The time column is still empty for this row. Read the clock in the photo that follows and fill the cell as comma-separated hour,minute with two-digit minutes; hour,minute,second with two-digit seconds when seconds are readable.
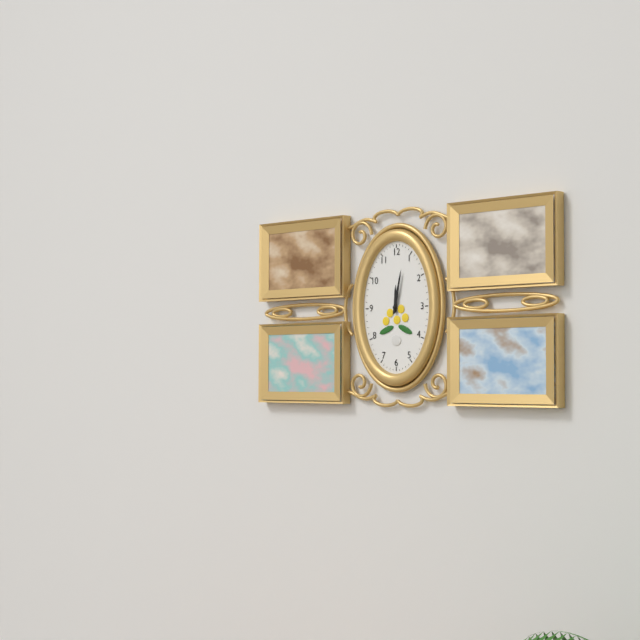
12,02
